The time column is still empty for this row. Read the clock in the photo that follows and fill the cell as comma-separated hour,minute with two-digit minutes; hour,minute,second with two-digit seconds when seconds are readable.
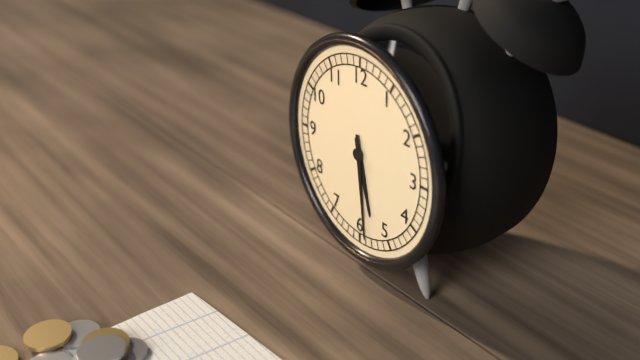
5,29
